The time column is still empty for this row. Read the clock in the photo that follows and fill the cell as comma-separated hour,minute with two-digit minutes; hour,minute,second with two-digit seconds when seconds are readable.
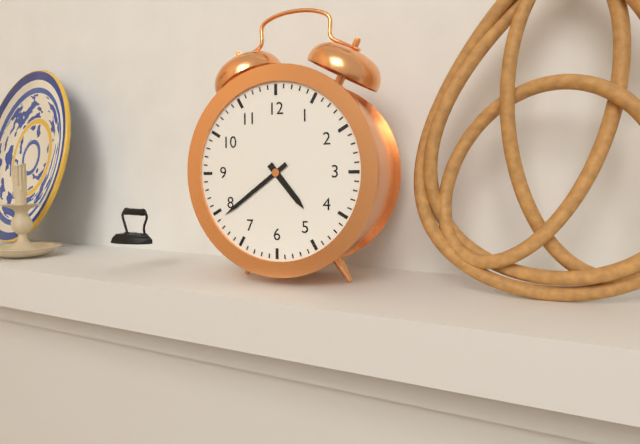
4,39
